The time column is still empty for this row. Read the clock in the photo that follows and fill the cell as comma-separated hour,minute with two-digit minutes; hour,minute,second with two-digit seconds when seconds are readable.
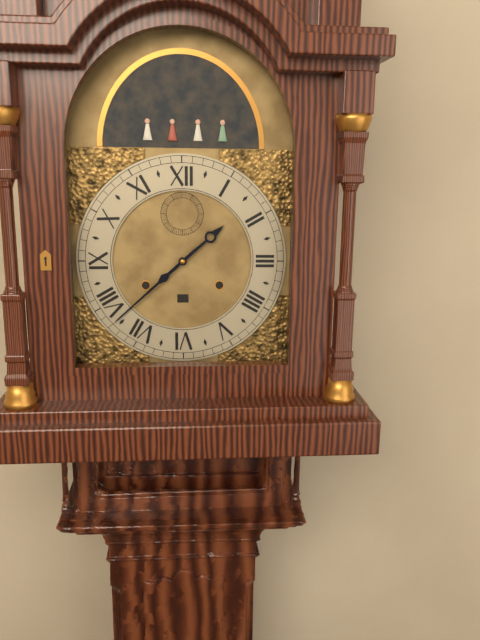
1,38
